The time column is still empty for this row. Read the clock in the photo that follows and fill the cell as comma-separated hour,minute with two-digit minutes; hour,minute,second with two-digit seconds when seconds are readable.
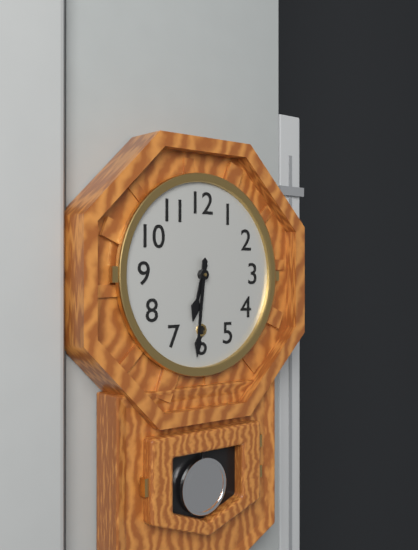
6,31
